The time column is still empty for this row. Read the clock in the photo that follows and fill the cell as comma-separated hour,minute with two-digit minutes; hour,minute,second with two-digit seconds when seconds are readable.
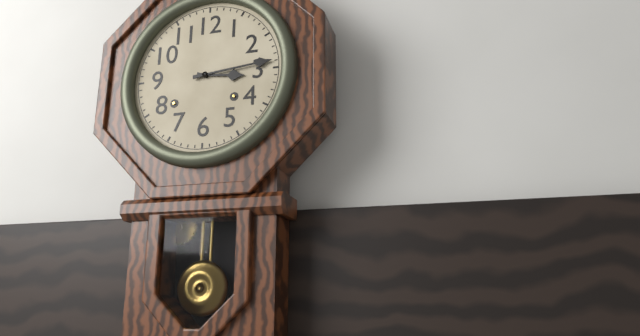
3,14
